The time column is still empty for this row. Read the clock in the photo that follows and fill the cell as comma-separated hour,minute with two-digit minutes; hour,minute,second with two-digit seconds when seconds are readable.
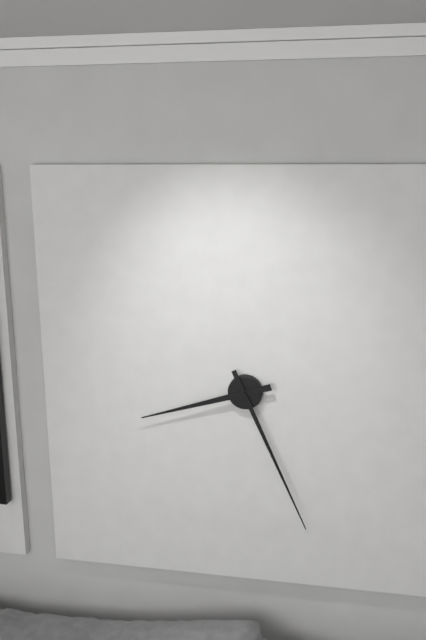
8,26
